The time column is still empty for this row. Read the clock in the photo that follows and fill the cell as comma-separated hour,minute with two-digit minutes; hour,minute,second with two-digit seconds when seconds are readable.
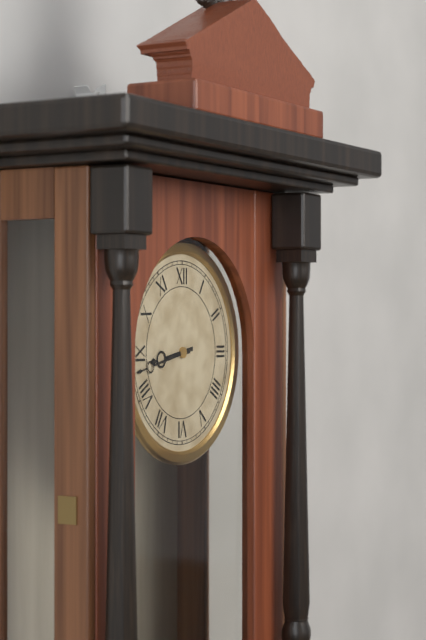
8,43
